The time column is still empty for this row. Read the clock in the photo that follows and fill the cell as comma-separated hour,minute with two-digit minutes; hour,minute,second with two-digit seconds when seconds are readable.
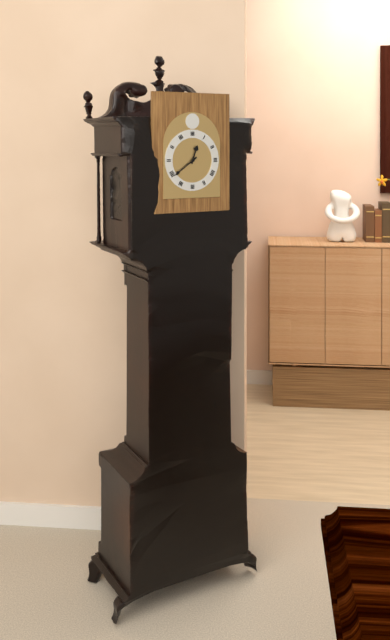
12,39
